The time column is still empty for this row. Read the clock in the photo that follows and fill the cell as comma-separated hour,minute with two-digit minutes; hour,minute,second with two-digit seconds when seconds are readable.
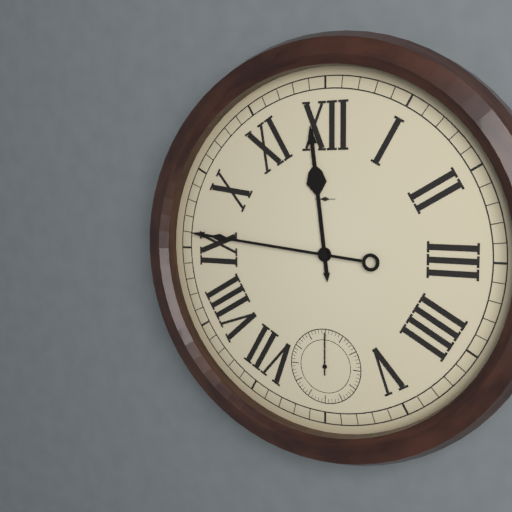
11,46
